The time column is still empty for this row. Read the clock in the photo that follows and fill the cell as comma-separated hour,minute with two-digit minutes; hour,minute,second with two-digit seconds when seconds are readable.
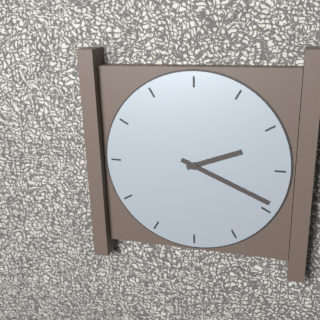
2,19
